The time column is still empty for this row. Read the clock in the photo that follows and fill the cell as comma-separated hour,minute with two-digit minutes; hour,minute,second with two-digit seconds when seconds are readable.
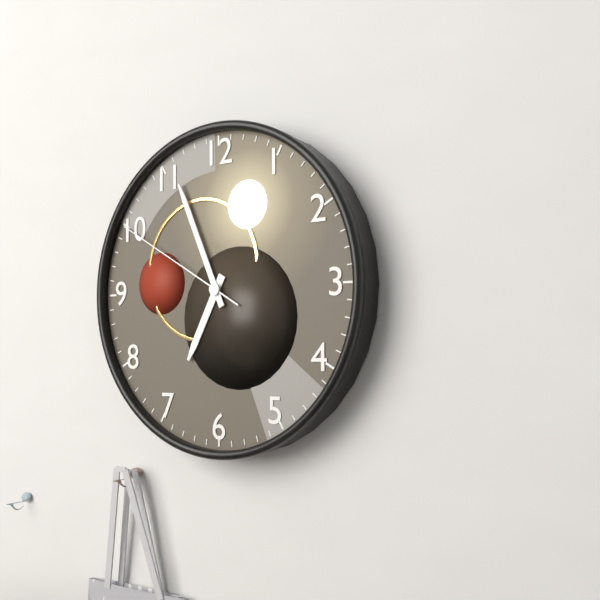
6,56,50
